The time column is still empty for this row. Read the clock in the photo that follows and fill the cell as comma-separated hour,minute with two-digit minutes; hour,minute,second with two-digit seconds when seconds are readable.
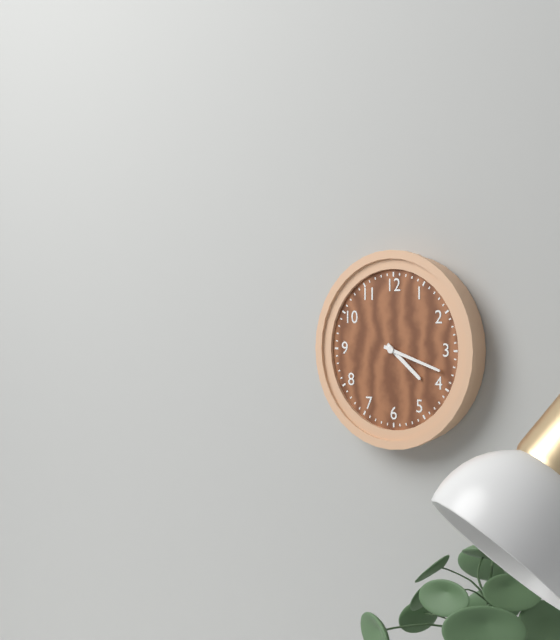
4,18
